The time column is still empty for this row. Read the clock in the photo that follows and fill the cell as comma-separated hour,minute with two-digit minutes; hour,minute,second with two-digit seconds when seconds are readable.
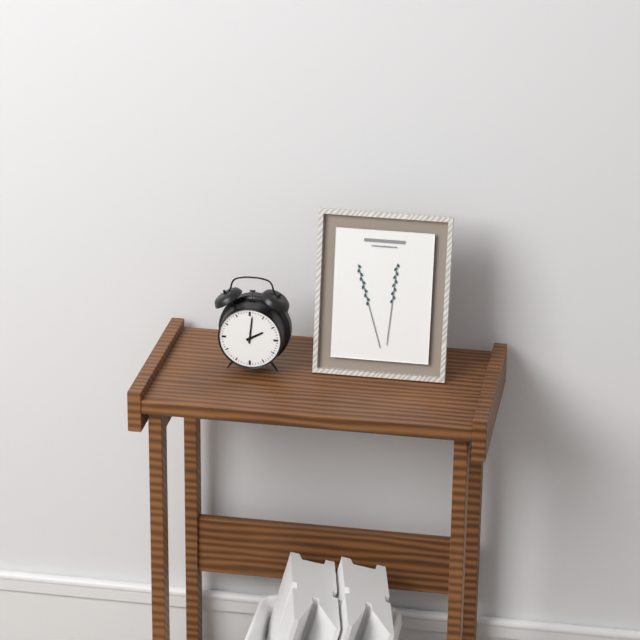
2,01
